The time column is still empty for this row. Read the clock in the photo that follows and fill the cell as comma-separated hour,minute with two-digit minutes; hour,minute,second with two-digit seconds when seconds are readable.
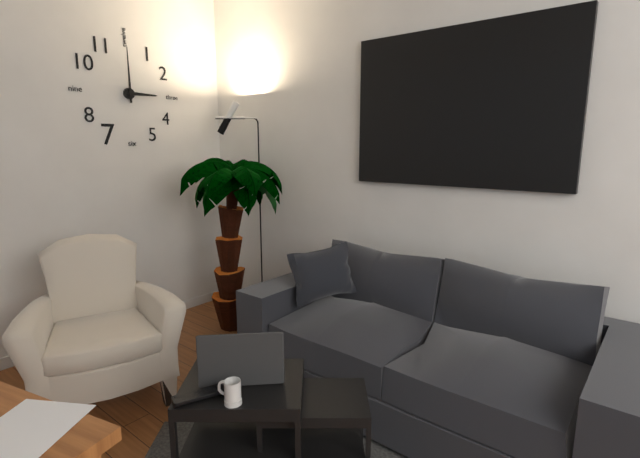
3,00
